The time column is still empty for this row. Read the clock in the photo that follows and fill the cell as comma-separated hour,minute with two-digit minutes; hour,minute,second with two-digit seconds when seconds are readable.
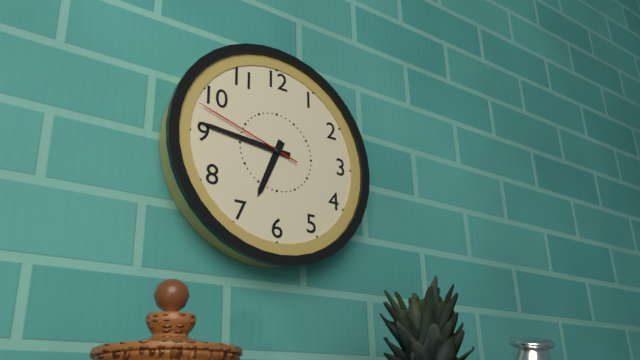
6,46,48
